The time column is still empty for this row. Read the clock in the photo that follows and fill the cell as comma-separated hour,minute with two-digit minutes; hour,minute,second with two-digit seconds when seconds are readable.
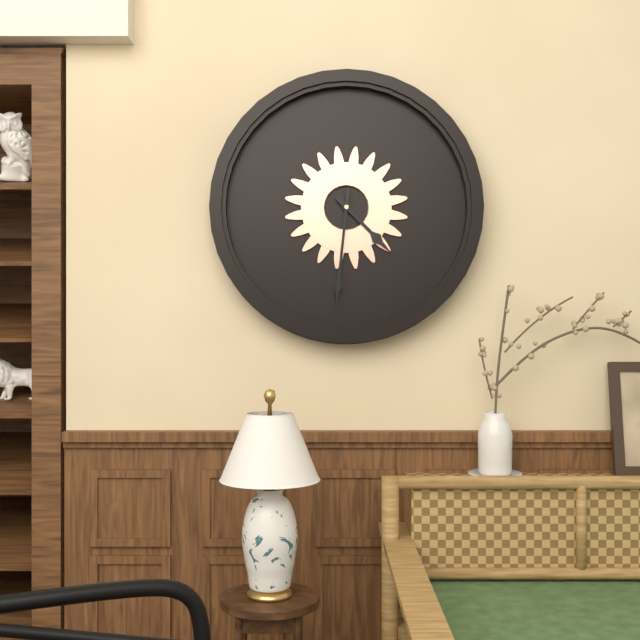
4,31
